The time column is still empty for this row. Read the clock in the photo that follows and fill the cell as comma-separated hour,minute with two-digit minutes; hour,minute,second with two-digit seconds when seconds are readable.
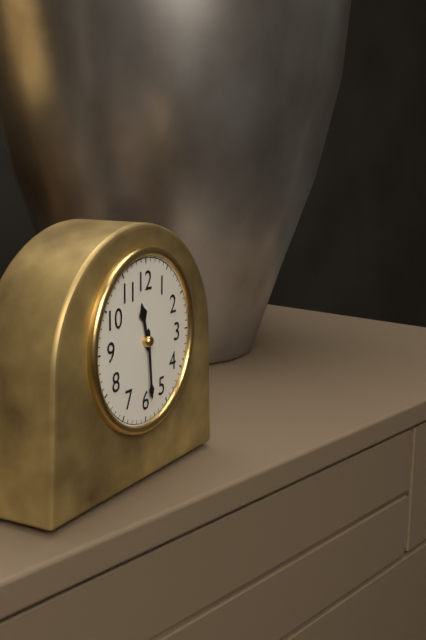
11,29
